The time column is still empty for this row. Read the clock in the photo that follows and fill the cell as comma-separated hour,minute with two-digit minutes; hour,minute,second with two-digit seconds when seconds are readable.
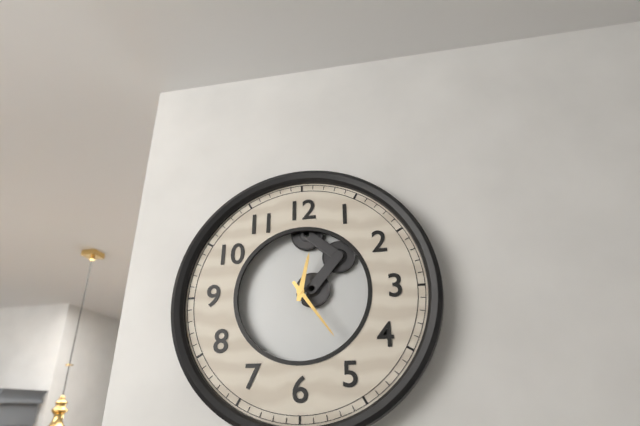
12,24
